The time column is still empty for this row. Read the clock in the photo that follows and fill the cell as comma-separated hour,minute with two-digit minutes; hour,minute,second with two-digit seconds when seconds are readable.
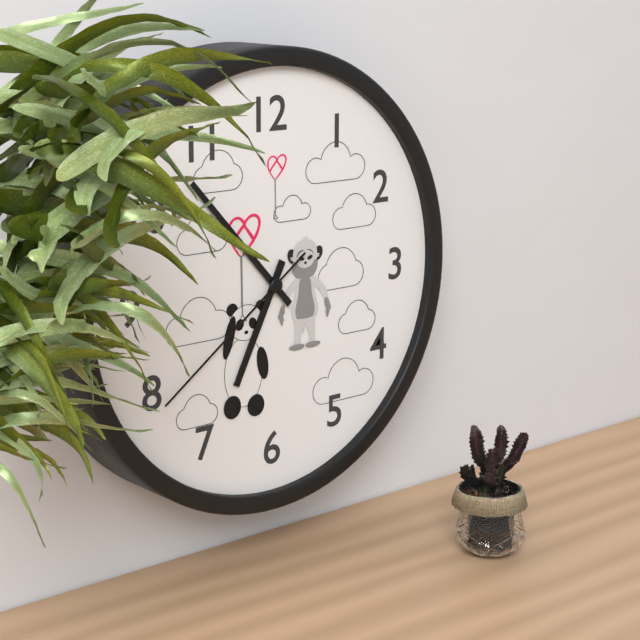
6,53,39
